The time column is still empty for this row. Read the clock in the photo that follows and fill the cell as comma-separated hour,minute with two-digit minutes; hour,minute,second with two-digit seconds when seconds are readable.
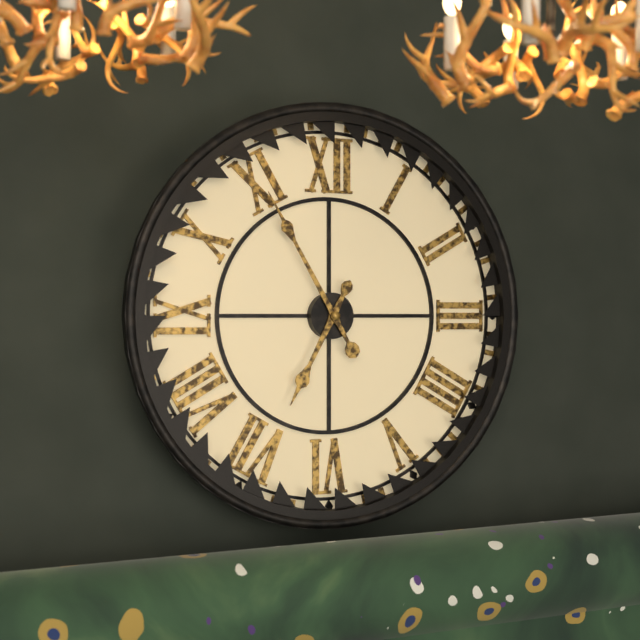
6,55
